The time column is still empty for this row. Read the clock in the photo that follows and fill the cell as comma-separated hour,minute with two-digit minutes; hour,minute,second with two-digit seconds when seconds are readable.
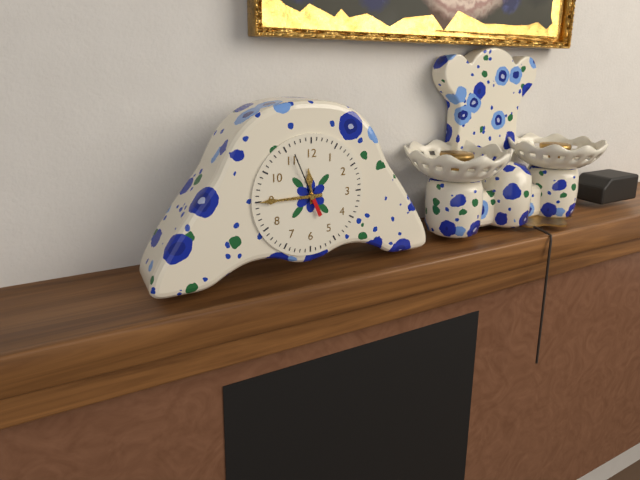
11,45
